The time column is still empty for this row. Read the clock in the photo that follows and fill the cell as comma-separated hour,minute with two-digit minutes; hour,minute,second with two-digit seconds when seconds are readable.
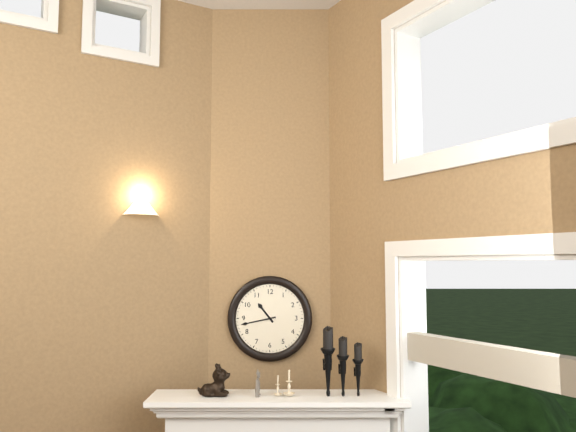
10,43
